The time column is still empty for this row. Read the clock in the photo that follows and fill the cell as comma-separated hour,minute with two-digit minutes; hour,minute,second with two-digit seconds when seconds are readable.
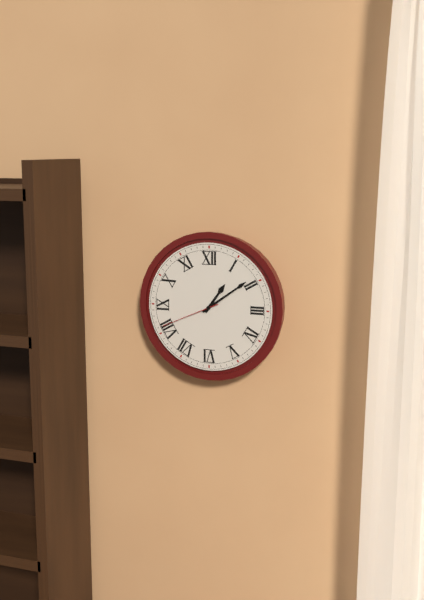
1,09,41
